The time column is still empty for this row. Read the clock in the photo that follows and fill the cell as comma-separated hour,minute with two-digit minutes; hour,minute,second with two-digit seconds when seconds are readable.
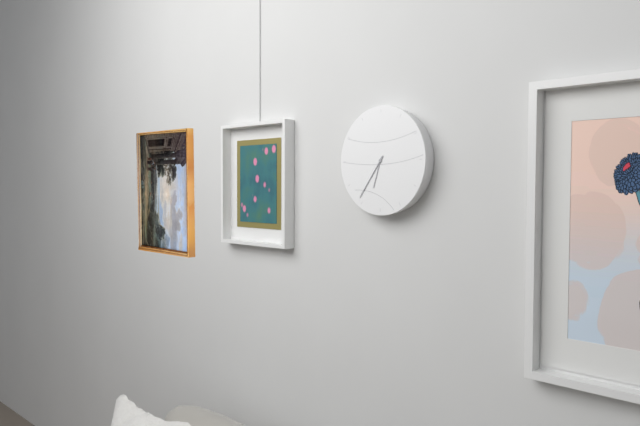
6,36
